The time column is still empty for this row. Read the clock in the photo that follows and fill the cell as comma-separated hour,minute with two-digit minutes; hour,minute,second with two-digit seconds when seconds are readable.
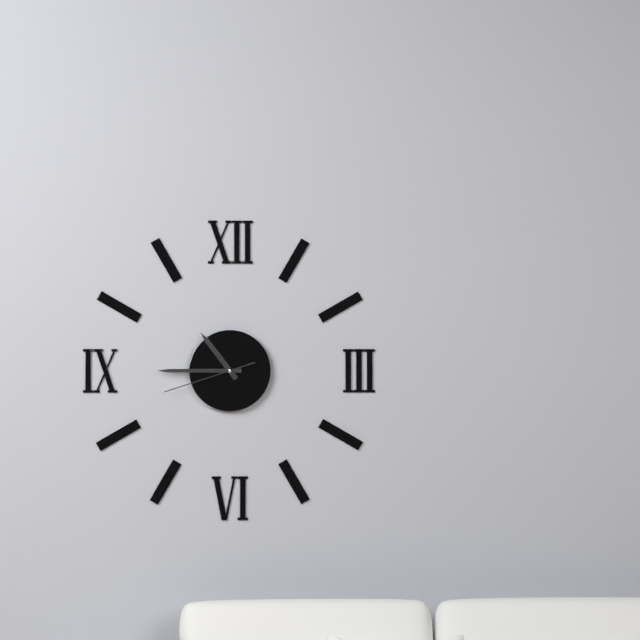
10,45,42
